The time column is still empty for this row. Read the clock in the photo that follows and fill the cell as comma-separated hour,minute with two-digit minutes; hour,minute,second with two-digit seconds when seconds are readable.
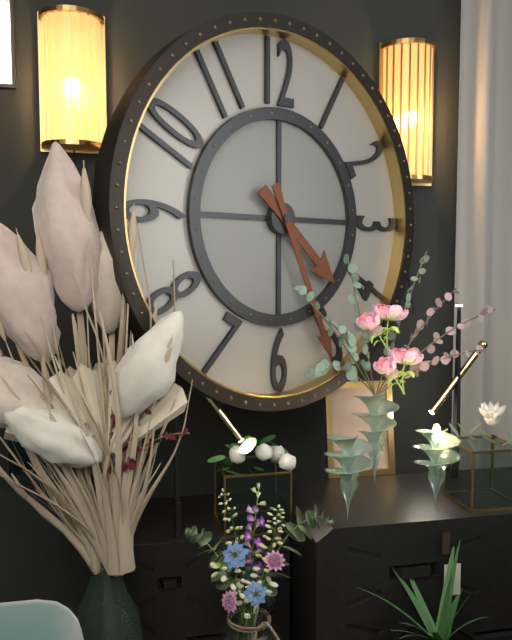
4,26
